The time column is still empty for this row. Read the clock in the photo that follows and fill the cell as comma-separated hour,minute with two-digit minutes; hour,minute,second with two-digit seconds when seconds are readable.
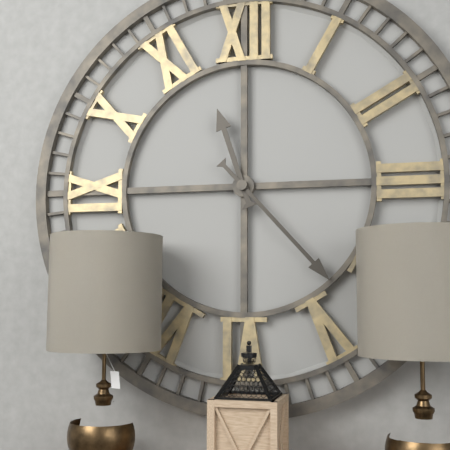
11,23
